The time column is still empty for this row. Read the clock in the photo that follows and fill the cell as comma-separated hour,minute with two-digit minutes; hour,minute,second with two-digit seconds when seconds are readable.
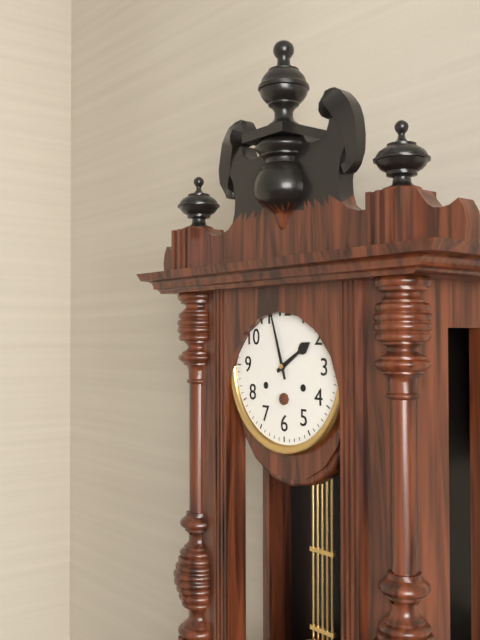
1,57
